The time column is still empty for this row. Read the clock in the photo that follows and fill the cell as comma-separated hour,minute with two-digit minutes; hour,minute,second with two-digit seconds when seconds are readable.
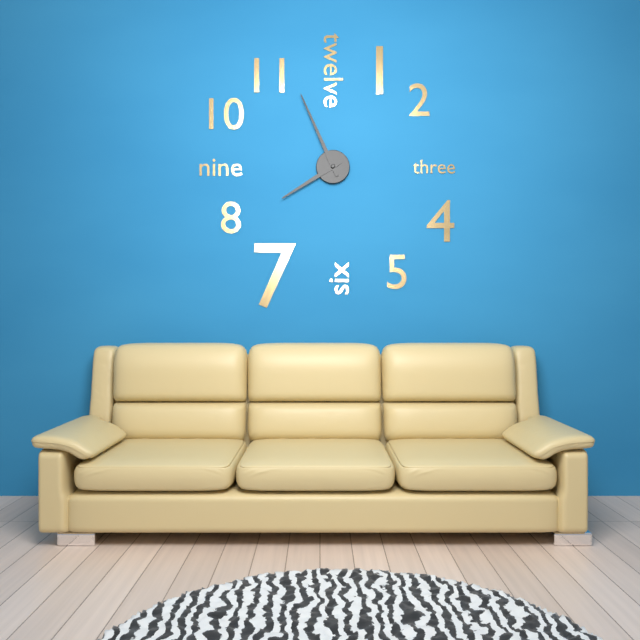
7,56
